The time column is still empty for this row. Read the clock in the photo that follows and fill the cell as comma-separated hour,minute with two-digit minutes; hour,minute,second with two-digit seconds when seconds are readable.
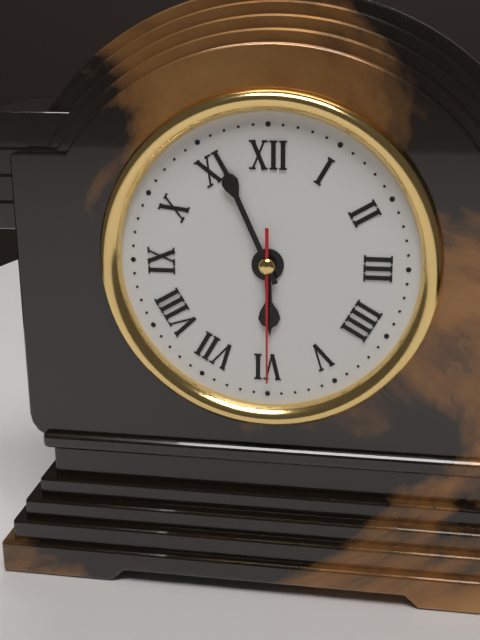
5,56,30
